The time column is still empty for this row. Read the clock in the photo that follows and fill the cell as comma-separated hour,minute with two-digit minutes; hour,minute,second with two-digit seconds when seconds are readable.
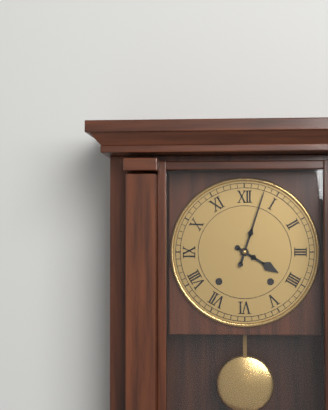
4,03
